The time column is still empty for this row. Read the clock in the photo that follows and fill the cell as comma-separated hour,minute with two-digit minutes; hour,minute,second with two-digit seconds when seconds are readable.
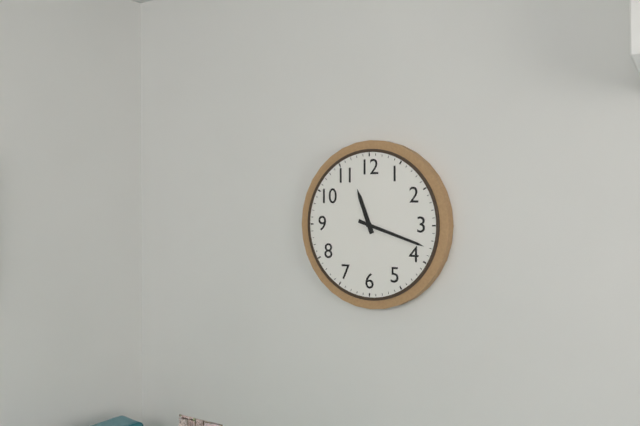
11,18
